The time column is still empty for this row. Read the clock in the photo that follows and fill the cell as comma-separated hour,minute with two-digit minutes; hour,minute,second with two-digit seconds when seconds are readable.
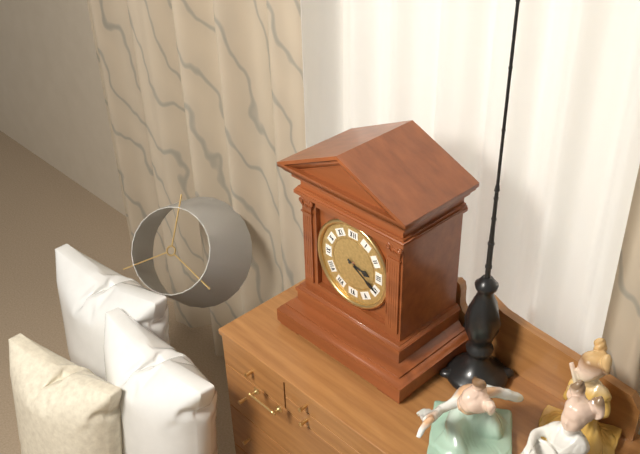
3,20
